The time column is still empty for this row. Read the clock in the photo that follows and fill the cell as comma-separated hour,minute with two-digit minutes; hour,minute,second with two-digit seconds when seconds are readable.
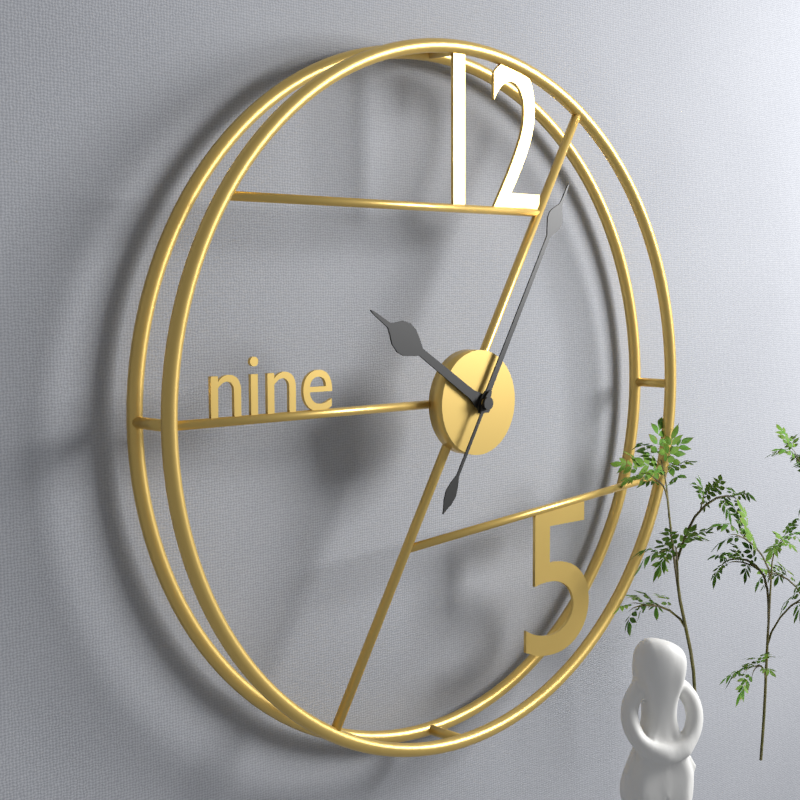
10,05,35
